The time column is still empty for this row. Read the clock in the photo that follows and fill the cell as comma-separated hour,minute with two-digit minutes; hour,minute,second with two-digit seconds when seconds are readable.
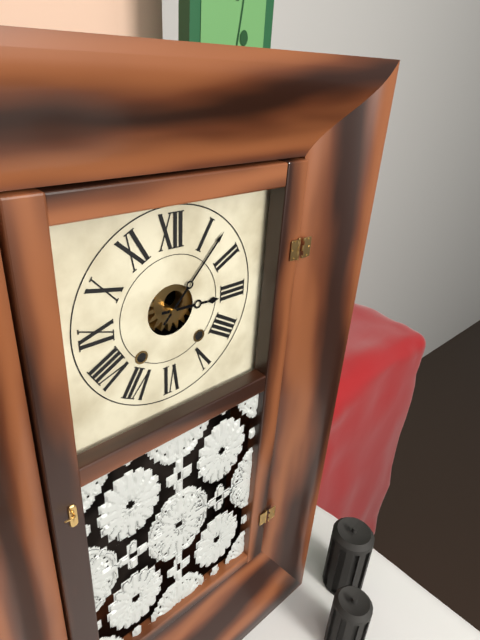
3,07
